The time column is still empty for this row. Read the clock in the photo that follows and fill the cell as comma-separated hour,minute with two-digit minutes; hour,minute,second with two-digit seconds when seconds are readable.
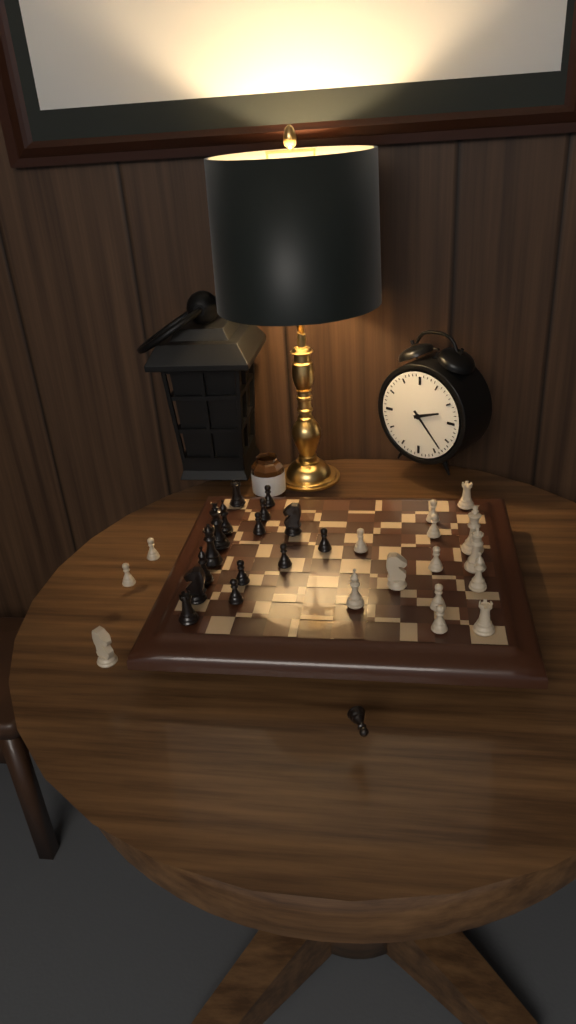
2,23
